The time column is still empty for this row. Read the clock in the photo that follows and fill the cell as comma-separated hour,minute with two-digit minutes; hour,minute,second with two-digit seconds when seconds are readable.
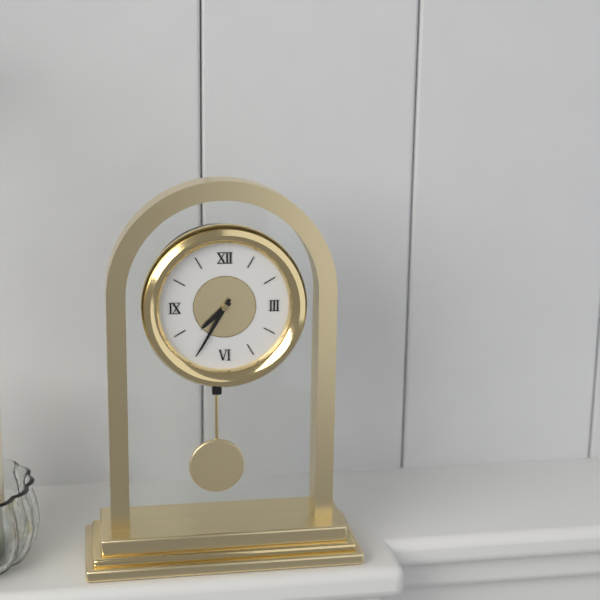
7,35
